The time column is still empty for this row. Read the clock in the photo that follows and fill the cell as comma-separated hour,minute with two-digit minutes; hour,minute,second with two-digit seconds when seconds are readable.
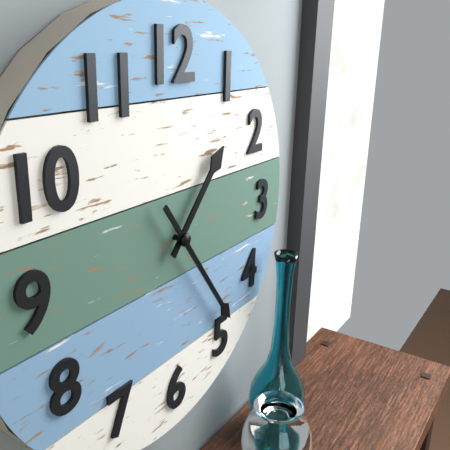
1,24
